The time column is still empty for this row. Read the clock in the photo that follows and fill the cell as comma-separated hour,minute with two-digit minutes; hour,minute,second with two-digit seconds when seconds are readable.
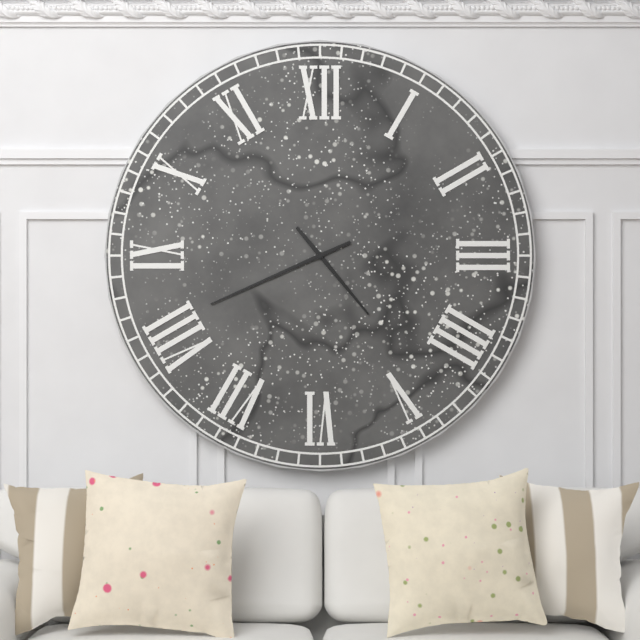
4,41
